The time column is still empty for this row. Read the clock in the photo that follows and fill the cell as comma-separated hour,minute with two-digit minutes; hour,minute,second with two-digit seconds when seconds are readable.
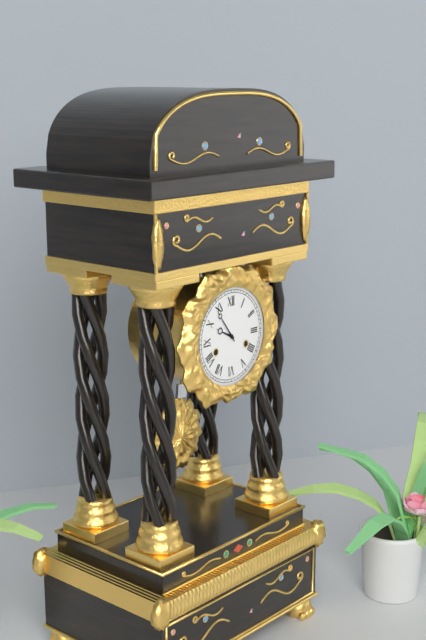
9,54
